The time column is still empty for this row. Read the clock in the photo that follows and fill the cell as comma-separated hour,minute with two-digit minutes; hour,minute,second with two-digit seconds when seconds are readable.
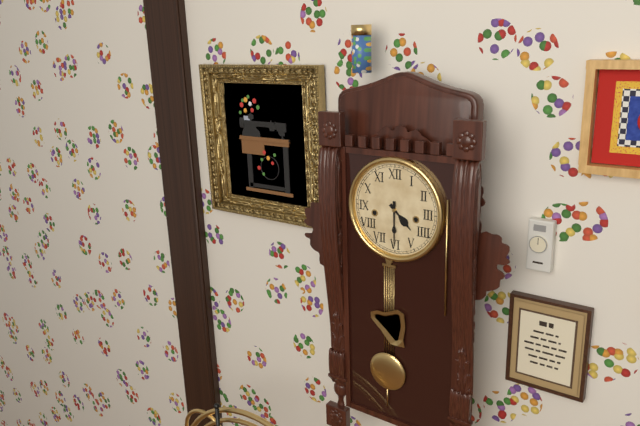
4,30
